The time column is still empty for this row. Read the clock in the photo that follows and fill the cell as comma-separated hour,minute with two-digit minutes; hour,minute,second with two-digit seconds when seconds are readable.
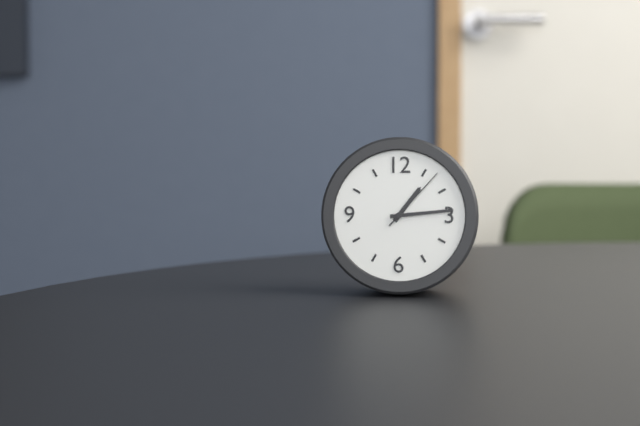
1,14,07
